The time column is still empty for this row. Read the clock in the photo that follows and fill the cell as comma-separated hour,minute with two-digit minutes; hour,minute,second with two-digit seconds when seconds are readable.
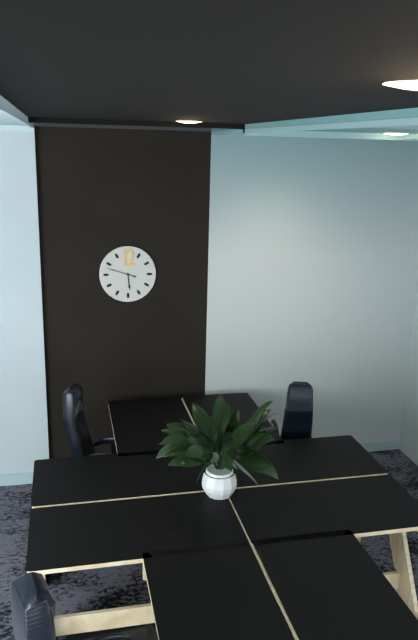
5,48
